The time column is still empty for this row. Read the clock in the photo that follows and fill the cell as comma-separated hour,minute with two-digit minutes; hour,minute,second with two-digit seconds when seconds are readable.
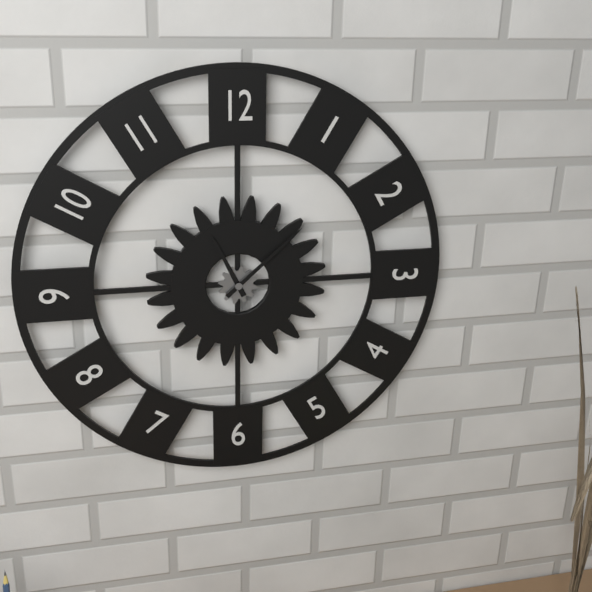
11,08
